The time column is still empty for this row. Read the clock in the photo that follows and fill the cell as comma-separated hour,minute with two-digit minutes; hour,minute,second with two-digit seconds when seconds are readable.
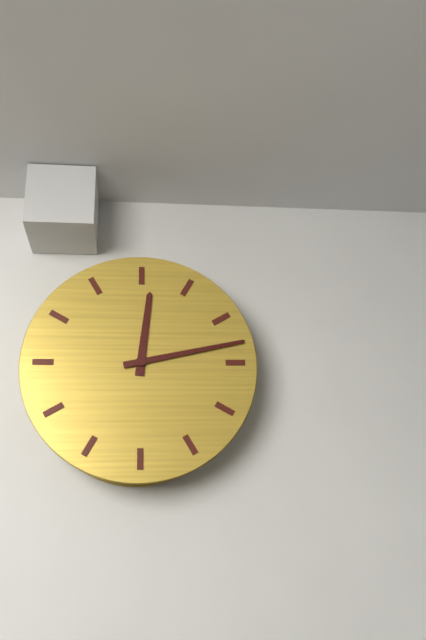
12,13
